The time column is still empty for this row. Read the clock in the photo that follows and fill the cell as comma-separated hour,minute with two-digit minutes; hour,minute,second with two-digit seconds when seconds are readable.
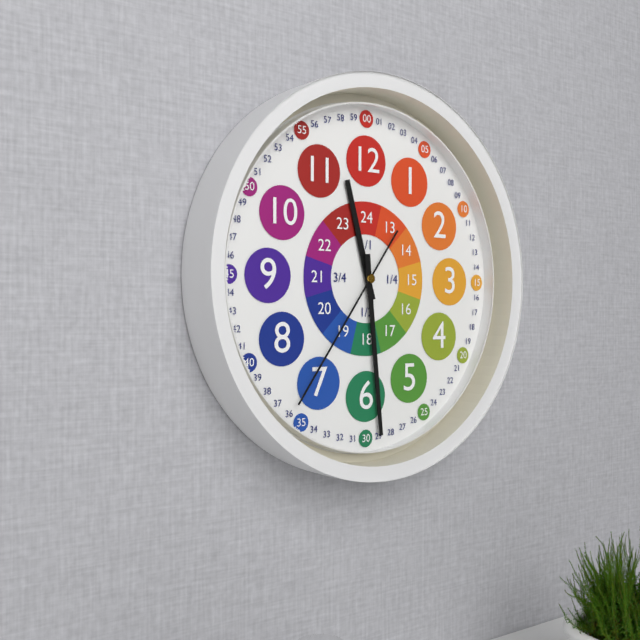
11,29,36
